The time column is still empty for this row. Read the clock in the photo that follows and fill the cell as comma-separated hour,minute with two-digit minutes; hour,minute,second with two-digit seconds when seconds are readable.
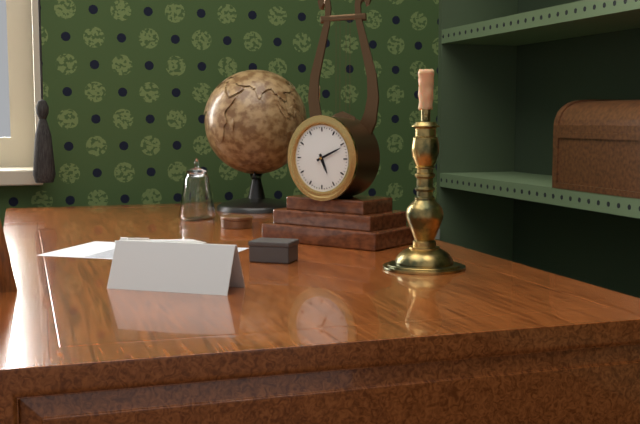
5,11
